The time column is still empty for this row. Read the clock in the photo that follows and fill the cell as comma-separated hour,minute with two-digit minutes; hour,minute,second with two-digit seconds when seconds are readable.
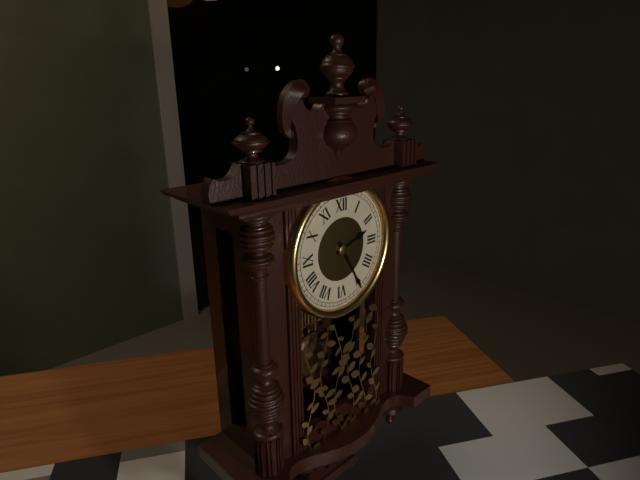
2,25
